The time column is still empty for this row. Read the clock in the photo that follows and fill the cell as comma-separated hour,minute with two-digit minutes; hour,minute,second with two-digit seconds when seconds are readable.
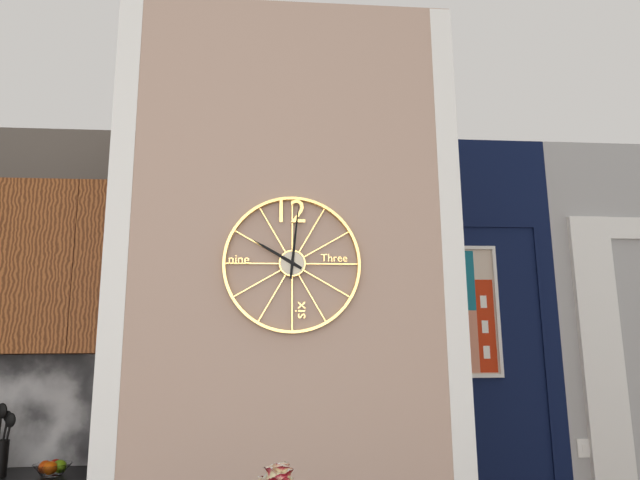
10,01
